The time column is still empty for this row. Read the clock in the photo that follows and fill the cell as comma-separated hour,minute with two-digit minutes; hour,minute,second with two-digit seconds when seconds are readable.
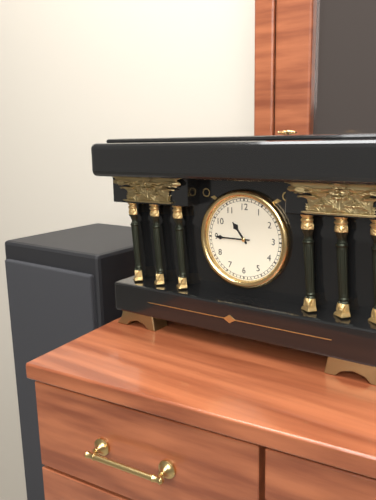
10,45
